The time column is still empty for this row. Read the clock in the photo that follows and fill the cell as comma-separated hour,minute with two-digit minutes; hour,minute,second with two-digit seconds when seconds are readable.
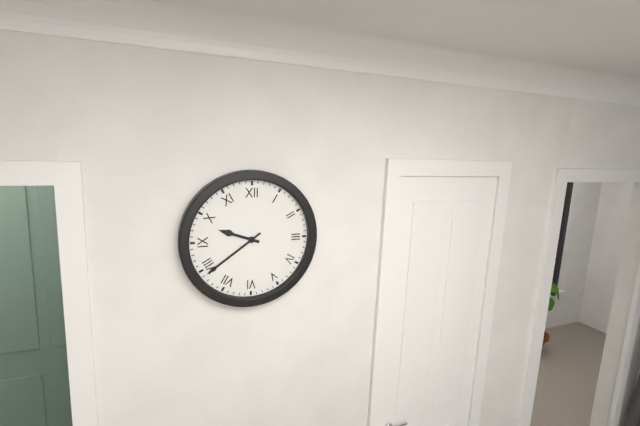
9,39
